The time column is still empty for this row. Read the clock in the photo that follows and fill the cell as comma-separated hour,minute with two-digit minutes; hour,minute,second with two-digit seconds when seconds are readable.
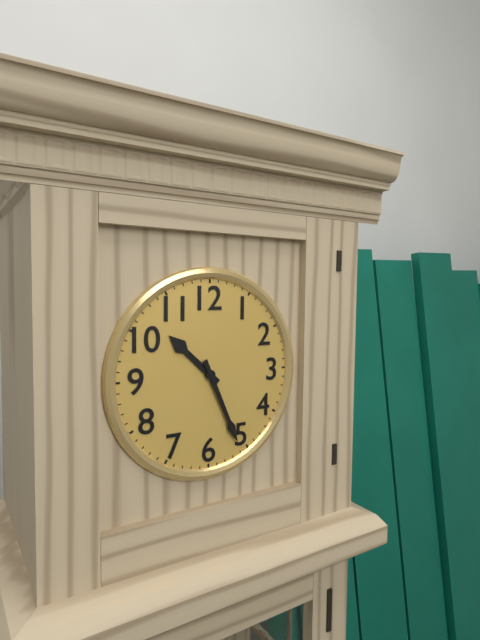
10,26
